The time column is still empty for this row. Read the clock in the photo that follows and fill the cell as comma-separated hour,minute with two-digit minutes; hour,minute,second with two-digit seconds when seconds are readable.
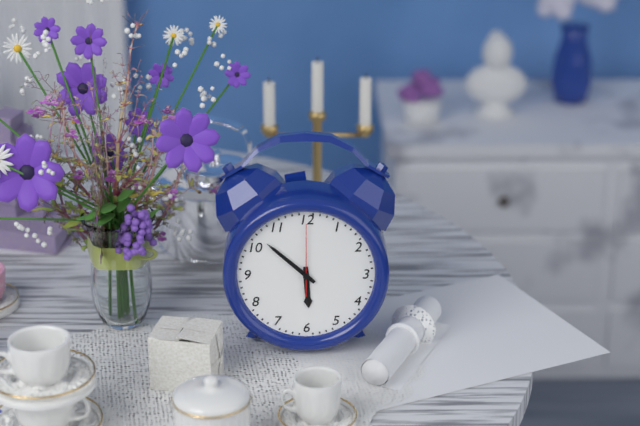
5,52,00
